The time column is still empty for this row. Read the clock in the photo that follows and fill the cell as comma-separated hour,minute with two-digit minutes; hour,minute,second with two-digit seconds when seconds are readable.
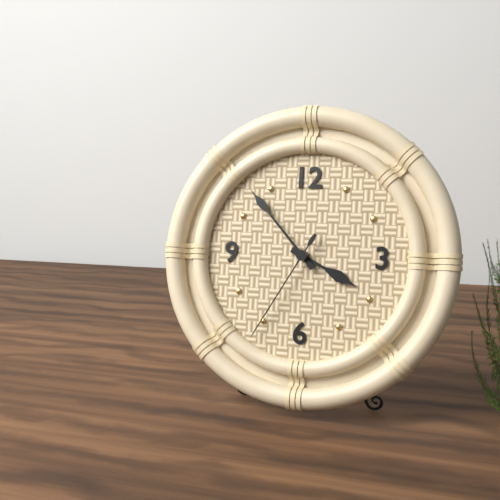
3,53,35
